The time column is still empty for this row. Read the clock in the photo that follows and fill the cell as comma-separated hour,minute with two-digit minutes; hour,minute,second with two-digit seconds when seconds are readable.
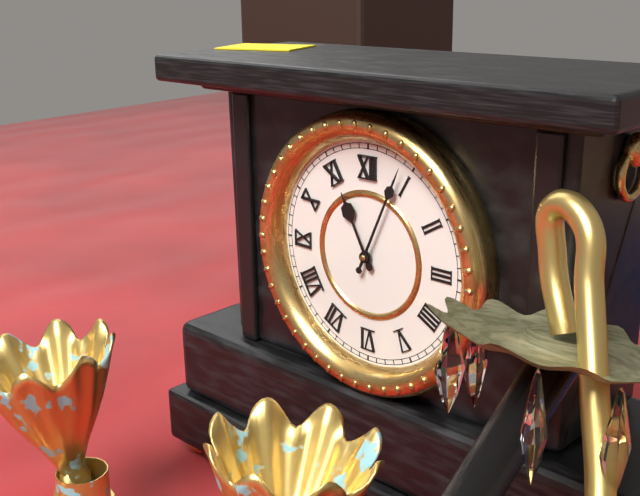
11,04
